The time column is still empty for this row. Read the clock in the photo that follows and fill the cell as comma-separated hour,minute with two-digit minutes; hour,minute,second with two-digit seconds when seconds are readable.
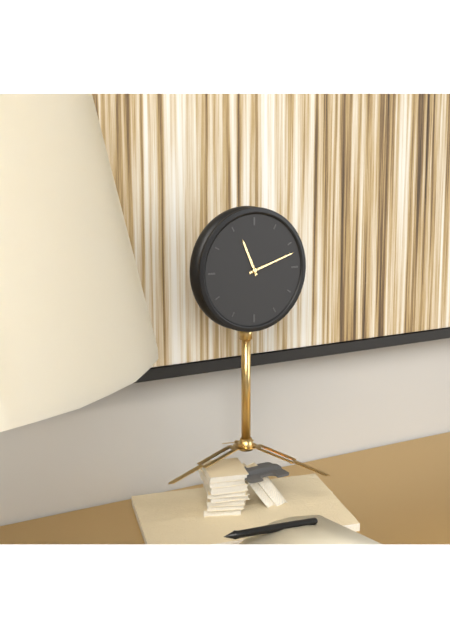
11,12
